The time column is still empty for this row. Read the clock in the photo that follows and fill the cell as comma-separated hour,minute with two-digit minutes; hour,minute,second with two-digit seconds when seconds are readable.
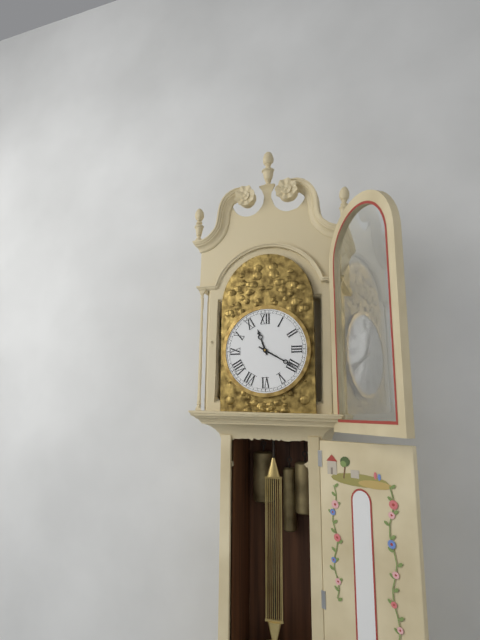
11,20
